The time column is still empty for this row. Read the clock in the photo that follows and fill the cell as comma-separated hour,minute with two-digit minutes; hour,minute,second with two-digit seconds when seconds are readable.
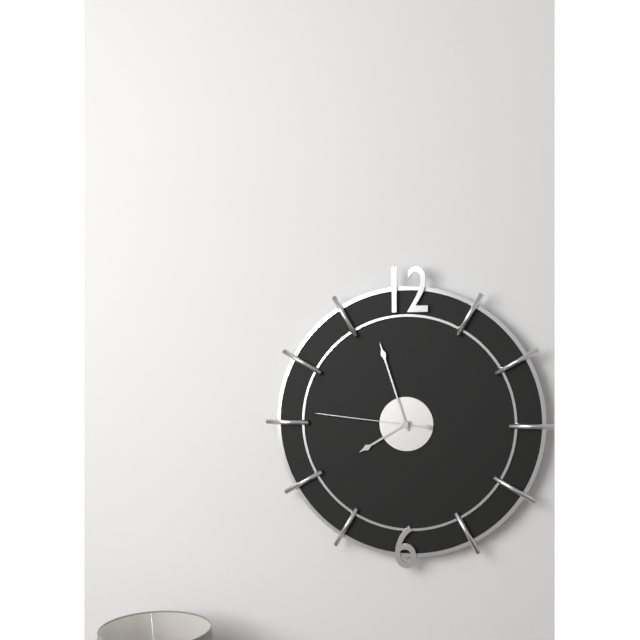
7,57,46
